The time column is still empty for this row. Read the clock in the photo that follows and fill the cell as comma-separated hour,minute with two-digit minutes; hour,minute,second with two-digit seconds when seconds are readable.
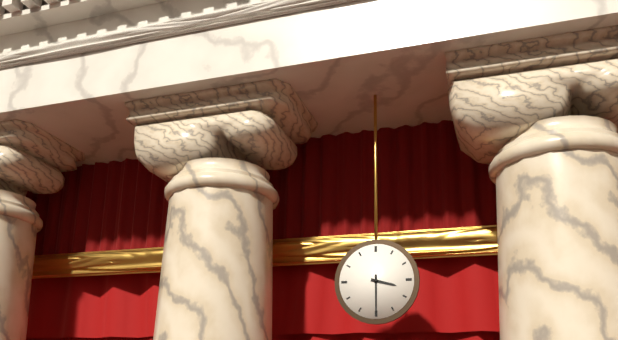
3,30
